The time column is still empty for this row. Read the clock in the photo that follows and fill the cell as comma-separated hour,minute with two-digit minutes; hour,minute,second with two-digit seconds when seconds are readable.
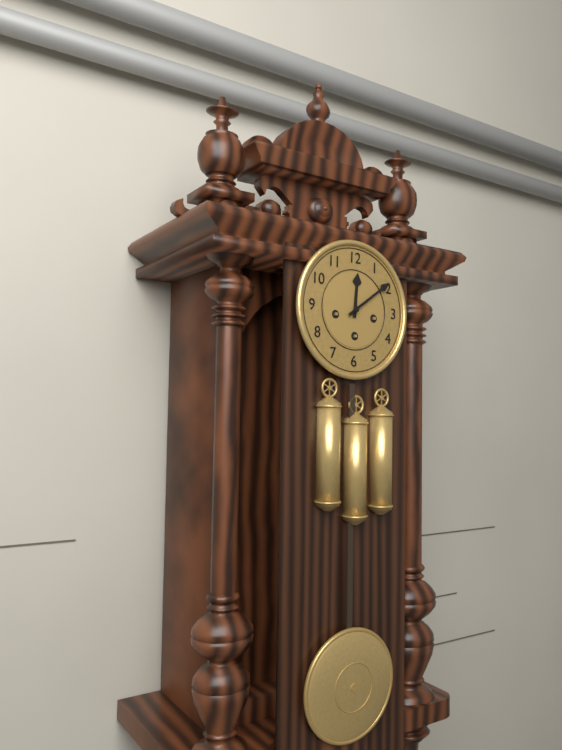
12,09
